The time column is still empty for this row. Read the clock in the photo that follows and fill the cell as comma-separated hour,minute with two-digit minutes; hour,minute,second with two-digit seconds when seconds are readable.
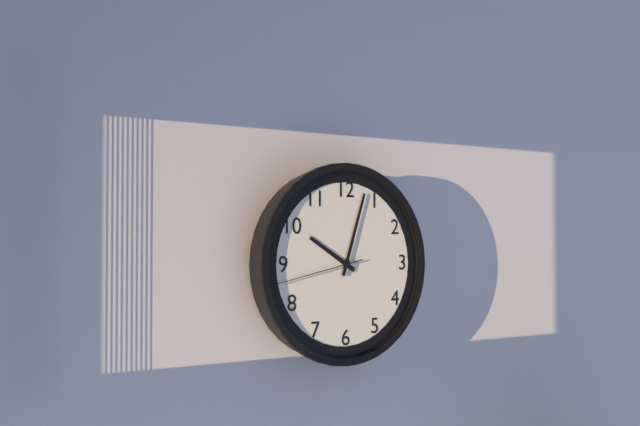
10,03,43
